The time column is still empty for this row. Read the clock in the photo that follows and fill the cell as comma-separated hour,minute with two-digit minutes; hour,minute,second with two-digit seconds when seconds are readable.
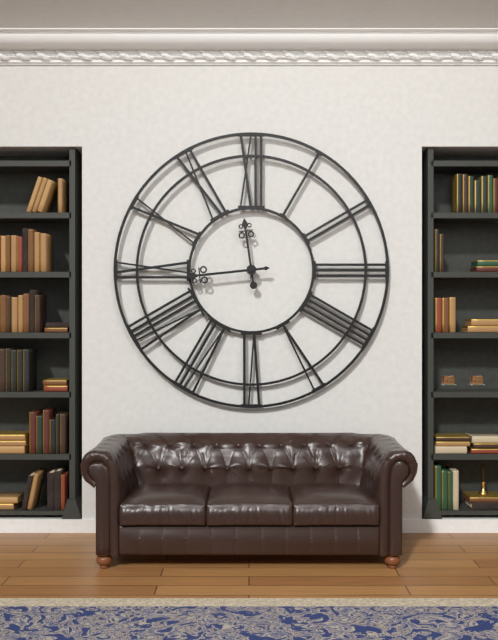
11,44
